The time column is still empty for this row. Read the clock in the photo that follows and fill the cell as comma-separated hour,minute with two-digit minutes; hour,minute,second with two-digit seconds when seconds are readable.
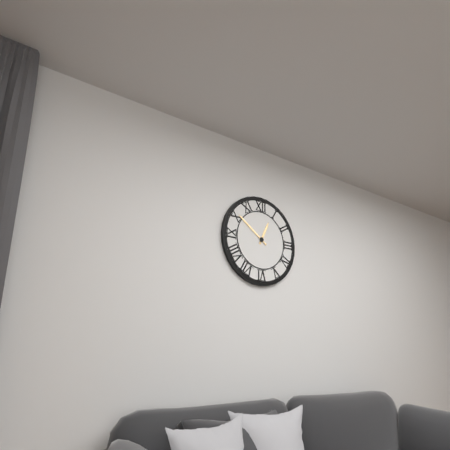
12,51
